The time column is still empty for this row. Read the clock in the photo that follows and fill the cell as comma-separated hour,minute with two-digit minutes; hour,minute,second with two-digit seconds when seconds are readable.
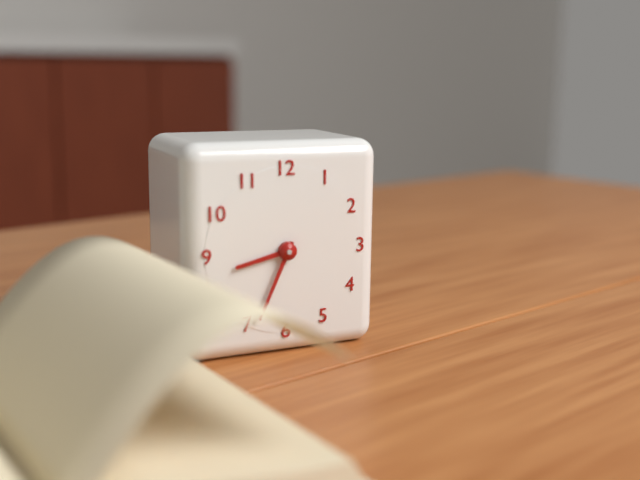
8,34
